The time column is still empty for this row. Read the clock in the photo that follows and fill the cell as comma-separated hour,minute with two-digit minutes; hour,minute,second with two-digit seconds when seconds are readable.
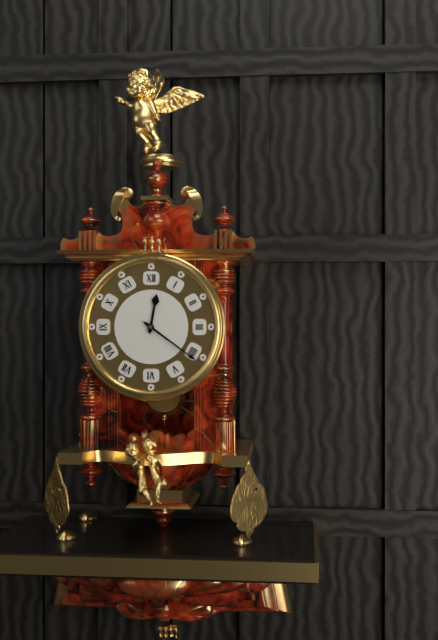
12,21
